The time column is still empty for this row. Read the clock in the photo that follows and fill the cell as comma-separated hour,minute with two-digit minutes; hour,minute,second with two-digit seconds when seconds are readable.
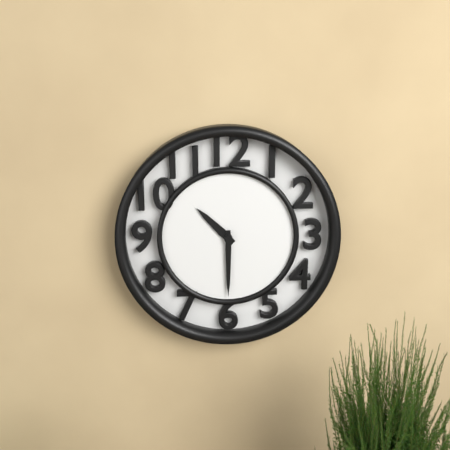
10,30
